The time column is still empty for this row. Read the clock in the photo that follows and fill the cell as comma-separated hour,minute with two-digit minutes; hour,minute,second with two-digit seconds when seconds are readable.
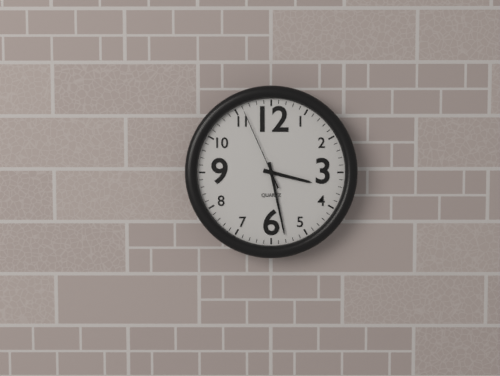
3,28,56
